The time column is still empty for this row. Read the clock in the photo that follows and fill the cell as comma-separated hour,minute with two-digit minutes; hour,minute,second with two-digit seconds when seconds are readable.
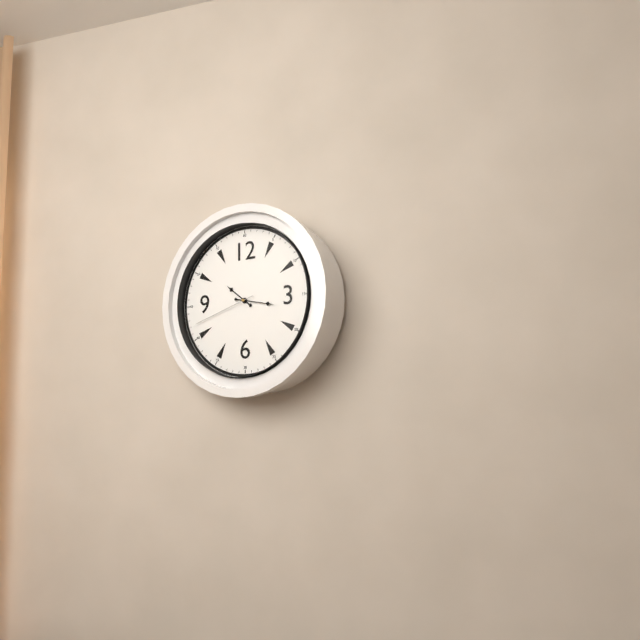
10,17,42
